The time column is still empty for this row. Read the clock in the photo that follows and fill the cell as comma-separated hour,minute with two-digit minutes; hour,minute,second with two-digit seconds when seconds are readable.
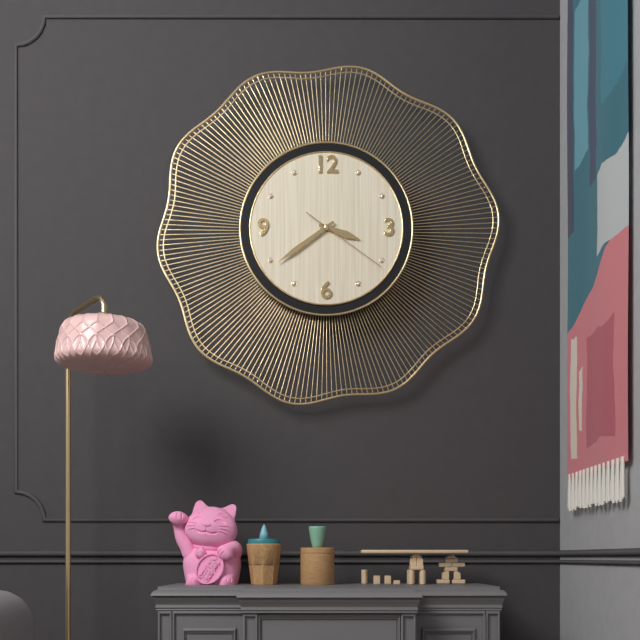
3,39,21
